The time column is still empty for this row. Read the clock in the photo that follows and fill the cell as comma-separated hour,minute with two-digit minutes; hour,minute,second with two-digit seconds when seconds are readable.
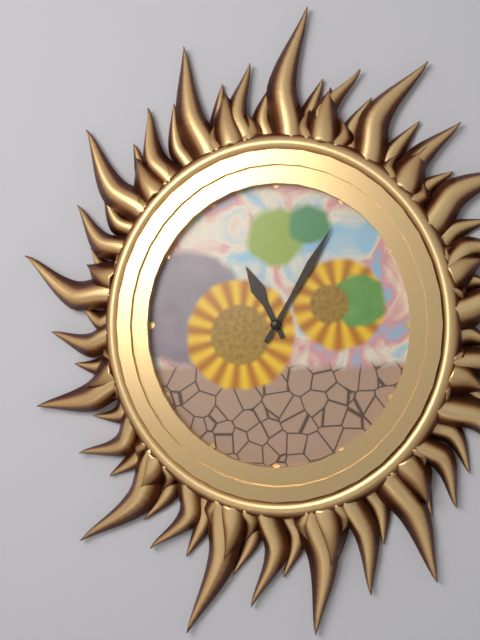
11,05
